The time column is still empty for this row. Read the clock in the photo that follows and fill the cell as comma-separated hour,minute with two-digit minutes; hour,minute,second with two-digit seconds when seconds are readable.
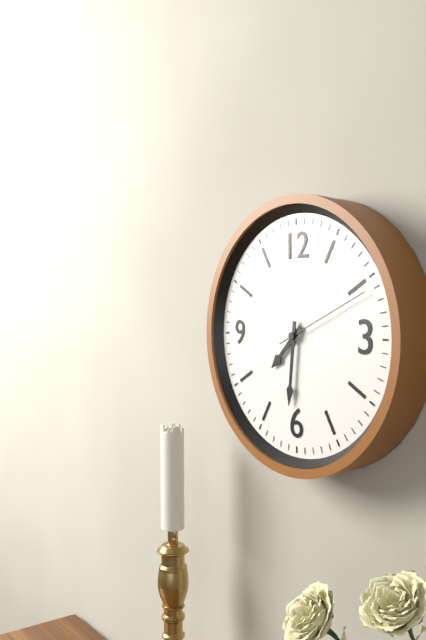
7,31,11
